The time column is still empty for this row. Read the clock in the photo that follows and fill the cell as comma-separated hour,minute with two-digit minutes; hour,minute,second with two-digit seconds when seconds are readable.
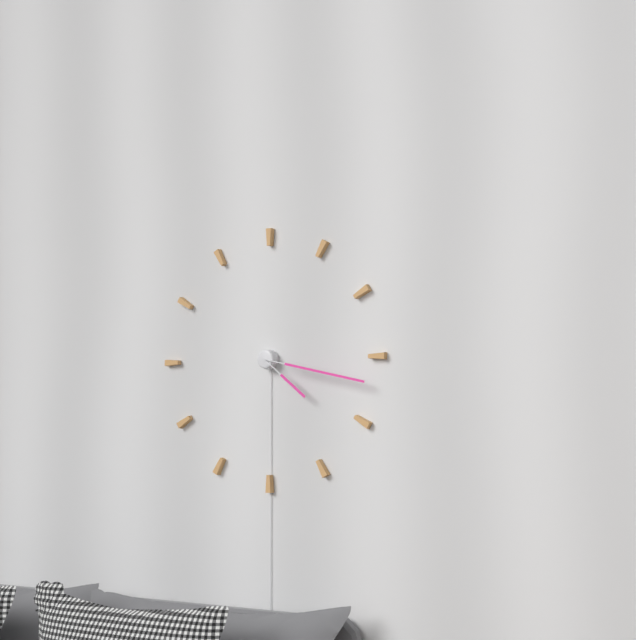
4,17
